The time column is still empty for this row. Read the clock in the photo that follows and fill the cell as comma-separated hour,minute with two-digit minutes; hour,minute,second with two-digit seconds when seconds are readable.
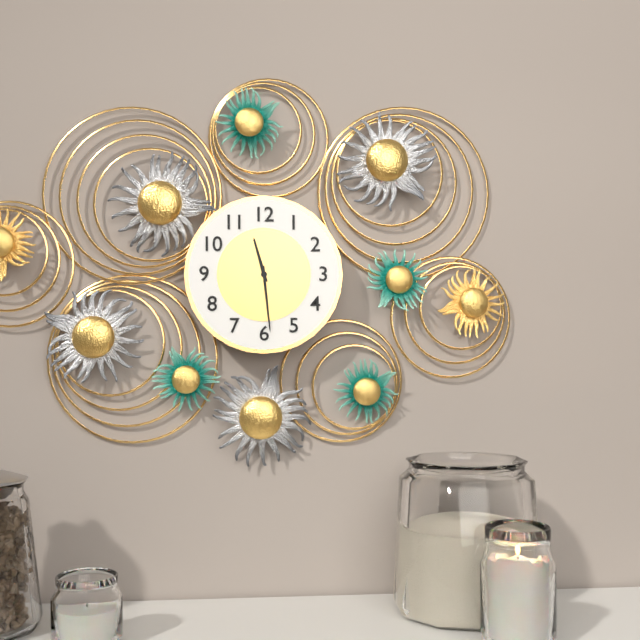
11,29
